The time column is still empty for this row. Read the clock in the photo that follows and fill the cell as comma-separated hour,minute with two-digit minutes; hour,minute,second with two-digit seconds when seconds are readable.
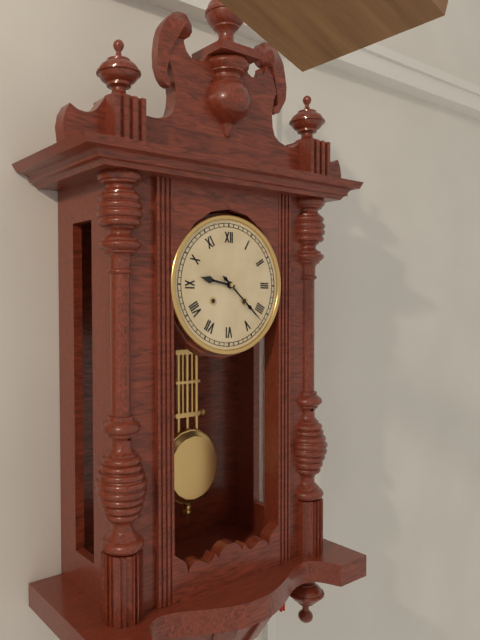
9,22
